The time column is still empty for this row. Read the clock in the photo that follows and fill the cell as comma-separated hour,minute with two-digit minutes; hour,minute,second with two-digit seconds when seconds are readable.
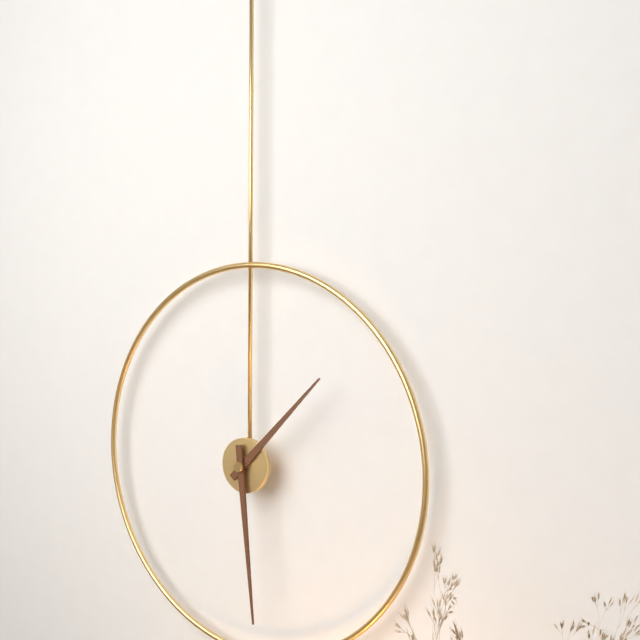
1,29
